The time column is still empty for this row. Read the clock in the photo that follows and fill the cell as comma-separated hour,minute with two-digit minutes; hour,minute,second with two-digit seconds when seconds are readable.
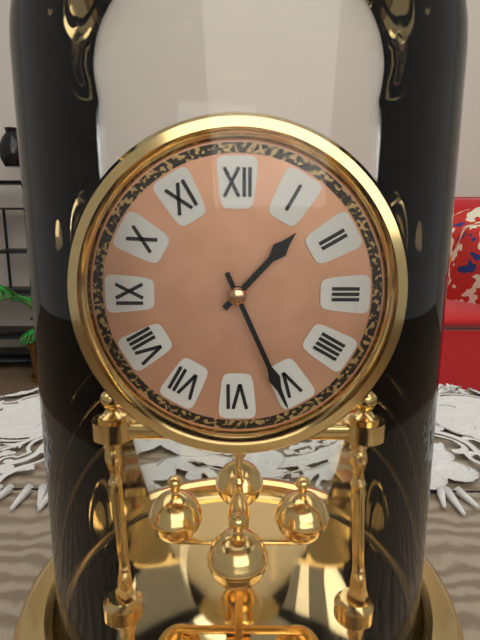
1,26
